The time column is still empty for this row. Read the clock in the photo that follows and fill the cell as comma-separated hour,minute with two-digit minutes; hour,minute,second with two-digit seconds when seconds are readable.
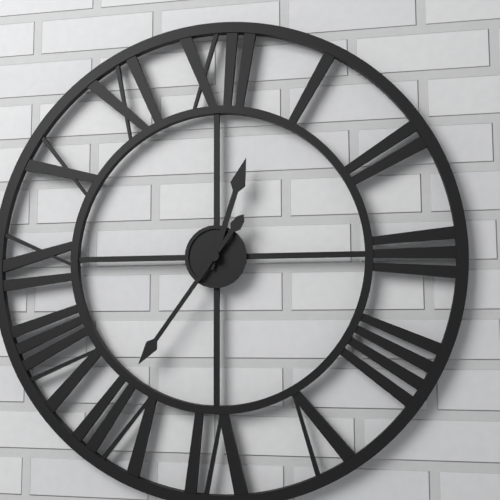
12,36
